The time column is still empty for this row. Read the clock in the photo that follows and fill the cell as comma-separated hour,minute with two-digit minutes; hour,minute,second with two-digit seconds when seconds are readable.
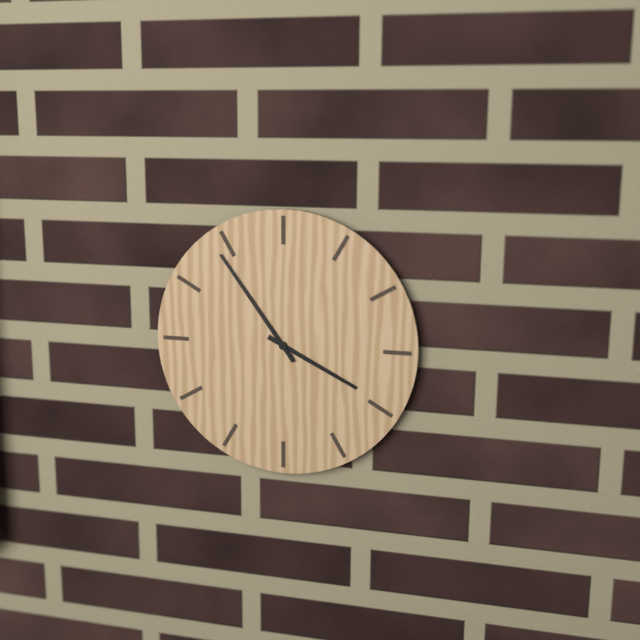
3,54
